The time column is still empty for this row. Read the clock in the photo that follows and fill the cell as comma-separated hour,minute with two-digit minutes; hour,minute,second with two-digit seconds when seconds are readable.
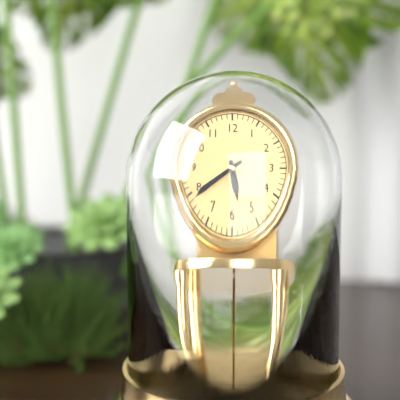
5,39
